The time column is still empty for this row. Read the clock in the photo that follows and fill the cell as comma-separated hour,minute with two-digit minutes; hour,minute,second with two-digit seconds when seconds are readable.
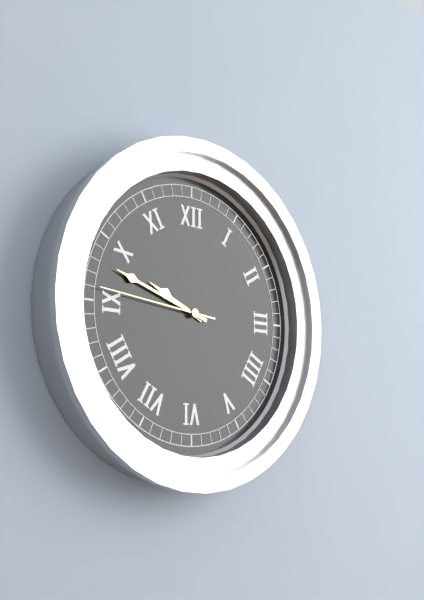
9,48,46
